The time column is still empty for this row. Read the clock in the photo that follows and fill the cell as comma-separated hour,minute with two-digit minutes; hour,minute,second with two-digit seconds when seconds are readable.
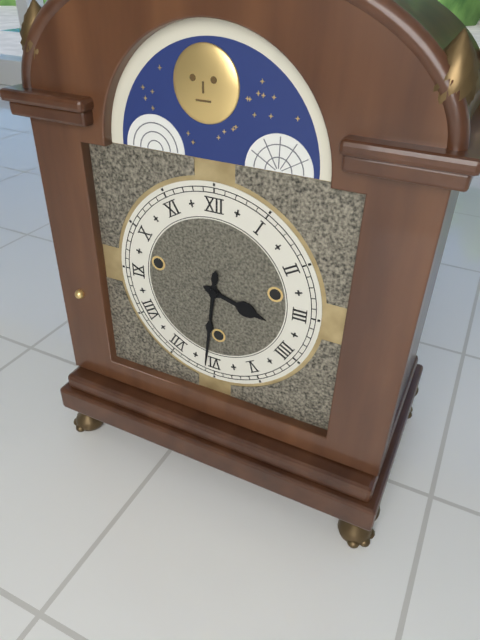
3,31
